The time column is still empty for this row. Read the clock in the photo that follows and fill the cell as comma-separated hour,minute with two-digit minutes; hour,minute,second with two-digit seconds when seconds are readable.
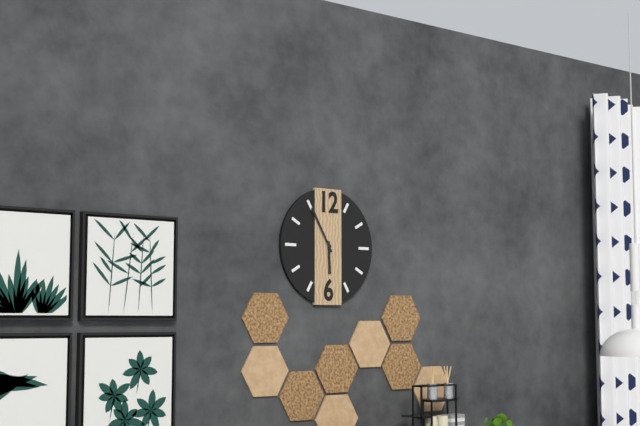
5,55
